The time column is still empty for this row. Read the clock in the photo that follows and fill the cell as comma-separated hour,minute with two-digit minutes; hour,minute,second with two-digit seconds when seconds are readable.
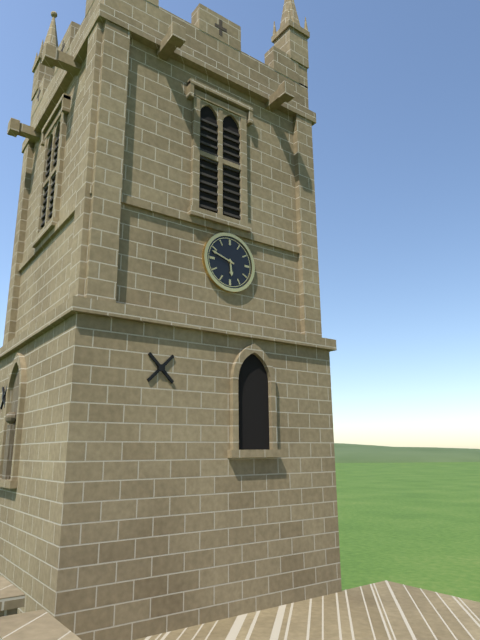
5,48
